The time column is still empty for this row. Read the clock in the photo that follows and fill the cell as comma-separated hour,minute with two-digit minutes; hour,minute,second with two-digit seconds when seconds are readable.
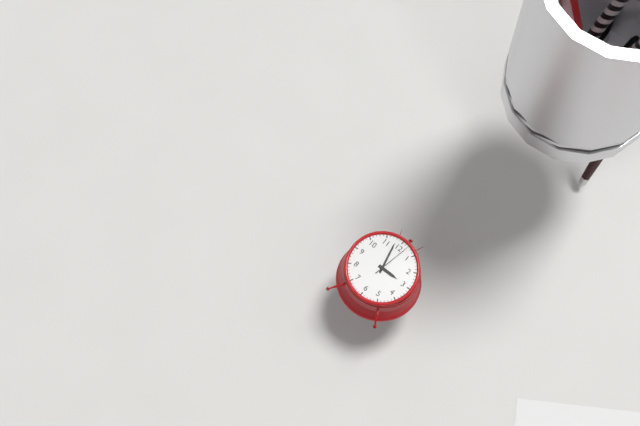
2,58
